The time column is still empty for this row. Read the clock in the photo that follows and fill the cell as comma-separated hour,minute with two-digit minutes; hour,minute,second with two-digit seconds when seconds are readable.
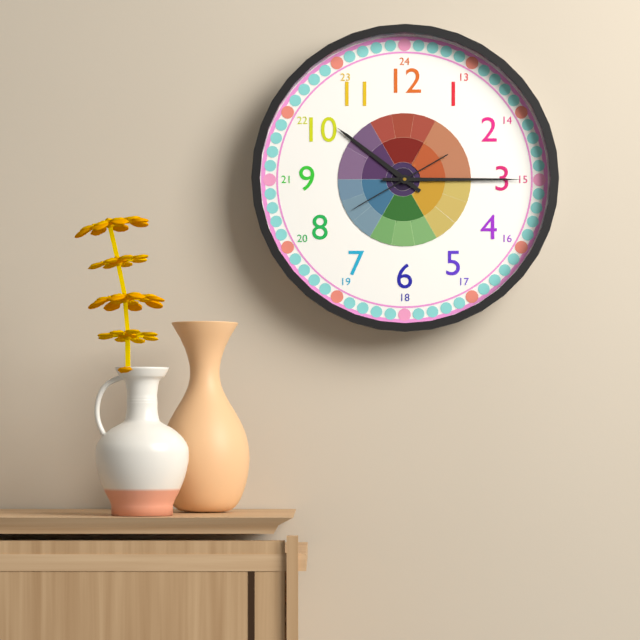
10,15,40
